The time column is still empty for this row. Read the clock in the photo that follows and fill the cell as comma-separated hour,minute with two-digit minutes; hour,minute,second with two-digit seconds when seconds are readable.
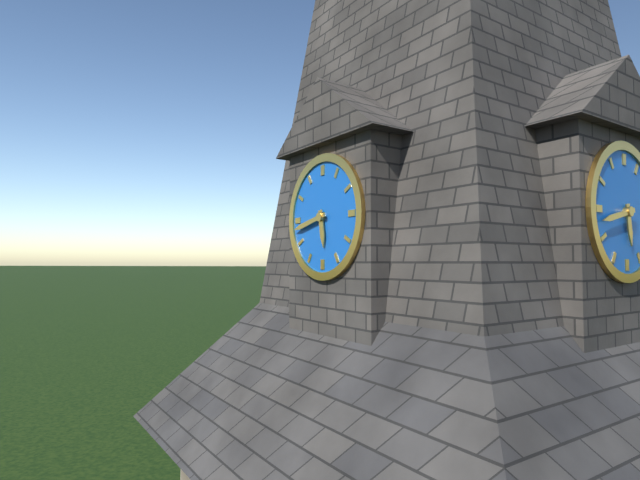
5,43
